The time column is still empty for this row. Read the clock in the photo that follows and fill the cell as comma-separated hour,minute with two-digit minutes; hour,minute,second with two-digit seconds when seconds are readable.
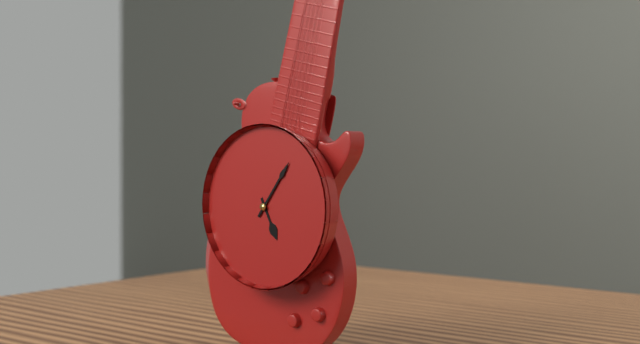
5,06
